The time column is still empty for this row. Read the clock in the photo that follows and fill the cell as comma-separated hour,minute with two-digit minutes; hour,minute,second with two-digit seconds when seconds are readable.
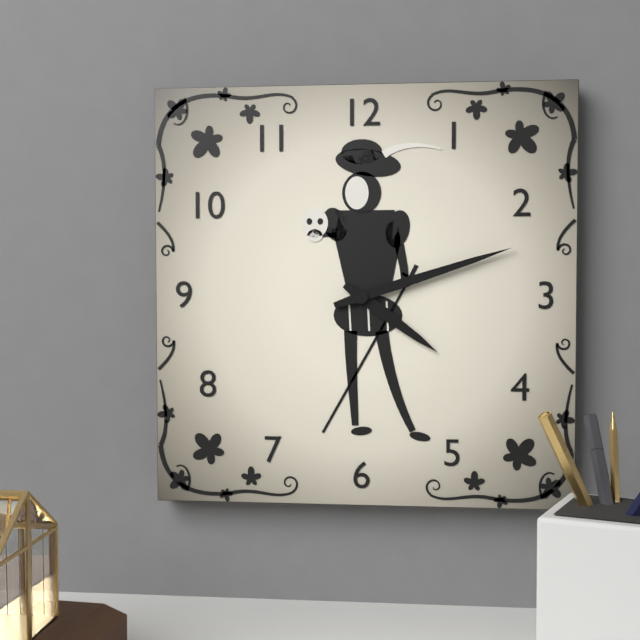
4,12
